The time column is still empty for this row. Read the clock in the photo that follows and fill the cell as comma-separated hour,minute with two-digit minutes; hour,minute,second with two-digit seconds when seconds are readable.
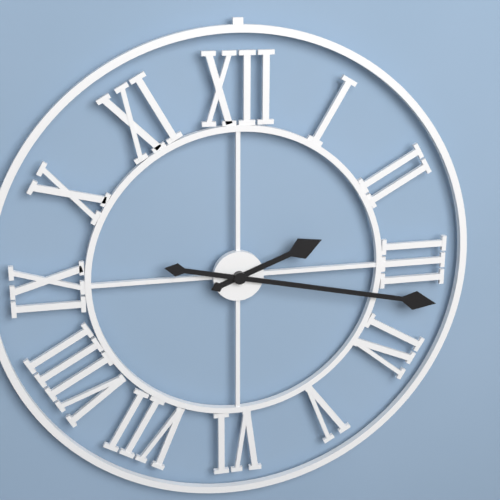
2,17
